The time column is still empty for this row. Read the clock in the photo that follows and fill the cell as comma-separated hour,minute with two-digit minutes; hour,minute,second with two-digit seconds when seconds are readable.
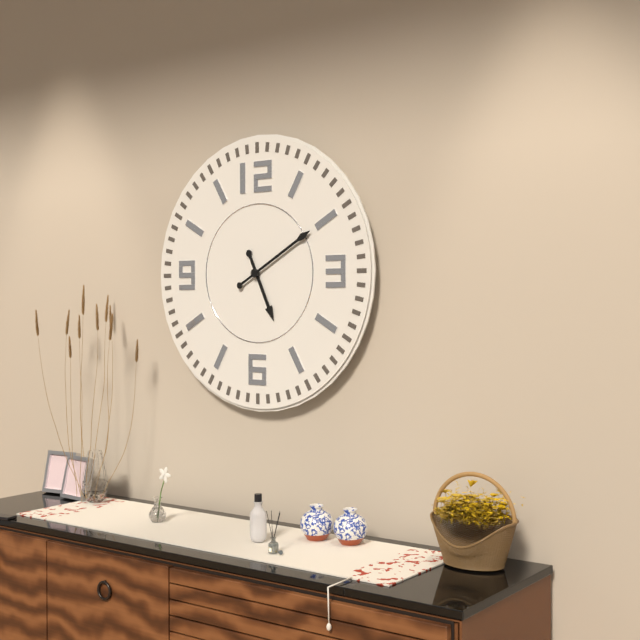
5,10
